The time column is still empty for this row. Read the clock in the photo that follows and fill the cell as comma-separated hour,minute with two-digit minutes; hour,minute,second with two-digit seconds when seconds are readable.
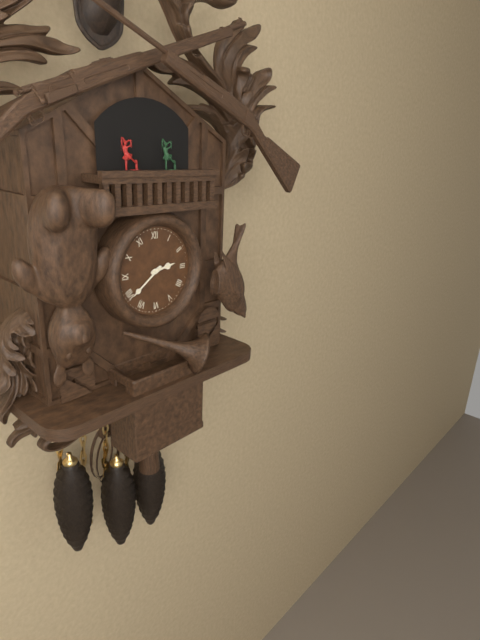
2,39
